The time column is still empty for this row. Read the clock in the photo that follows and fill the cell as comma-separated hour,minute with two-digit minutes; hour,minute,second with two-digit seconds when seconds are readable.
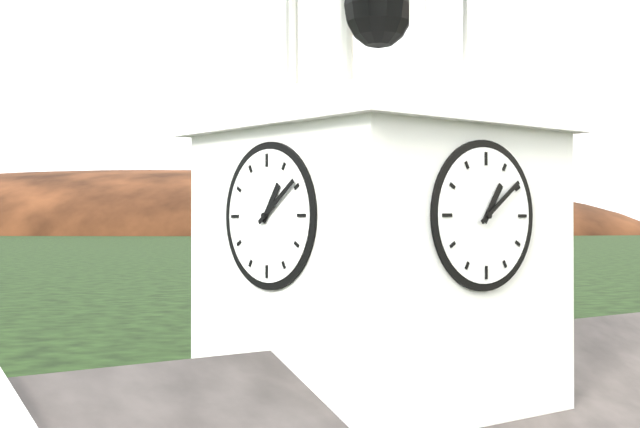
1,09
